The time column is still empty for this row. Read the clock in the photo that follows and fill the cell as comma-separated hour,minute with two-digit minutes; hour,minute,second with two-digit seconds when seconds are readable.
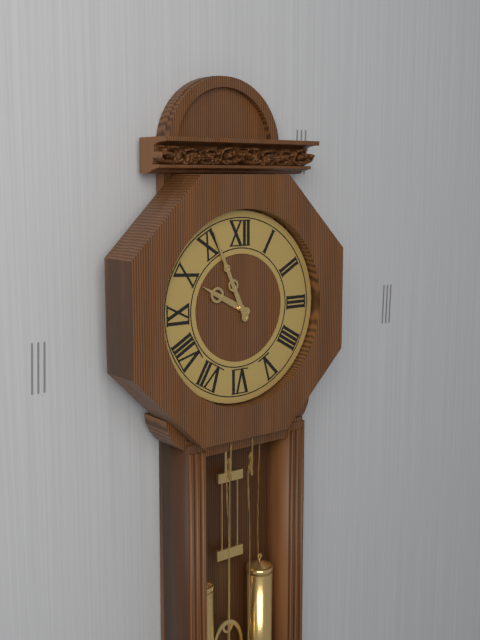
9,56
